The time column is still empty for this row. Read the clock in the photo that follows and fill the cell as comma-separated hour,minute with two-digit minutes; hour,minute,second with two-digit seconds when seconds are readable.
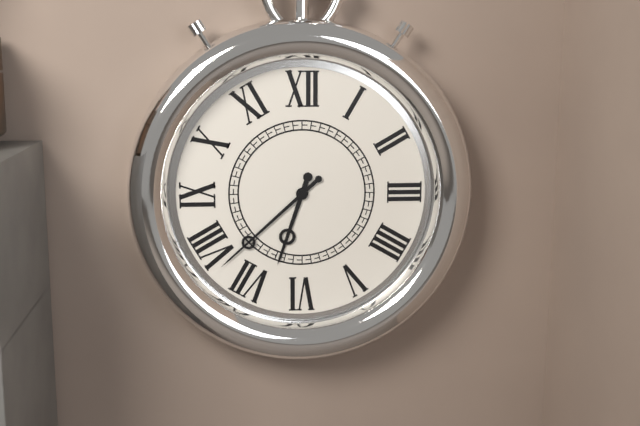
6,38
